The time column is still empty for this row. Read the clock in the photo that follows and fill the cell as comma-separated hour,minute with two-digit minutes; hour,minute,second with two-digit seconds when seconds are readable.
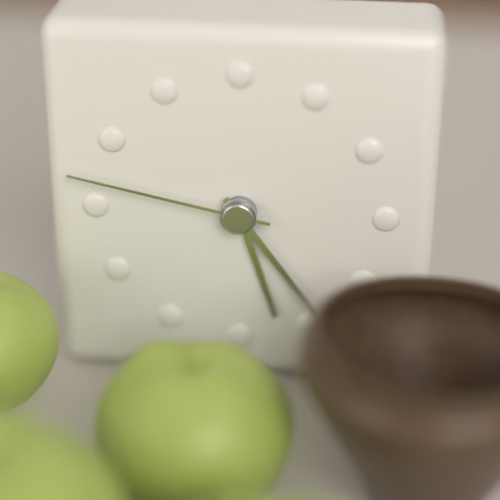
5,24,47
